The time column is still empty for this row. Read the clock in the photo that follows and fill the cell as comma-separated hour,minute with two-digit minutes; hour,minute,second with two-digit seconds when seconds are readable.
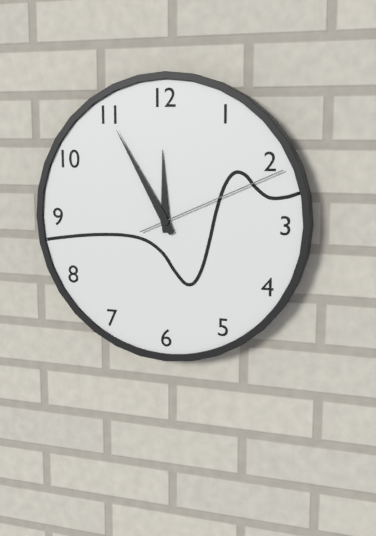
11,55,11
